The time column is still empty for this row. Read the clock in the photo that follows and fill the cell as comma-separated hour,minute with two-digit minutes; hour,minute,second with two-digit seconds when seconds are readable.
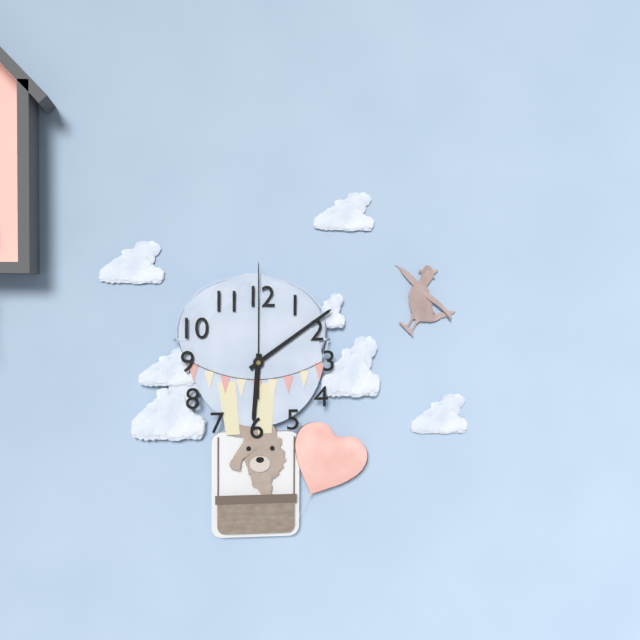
6,09,00
